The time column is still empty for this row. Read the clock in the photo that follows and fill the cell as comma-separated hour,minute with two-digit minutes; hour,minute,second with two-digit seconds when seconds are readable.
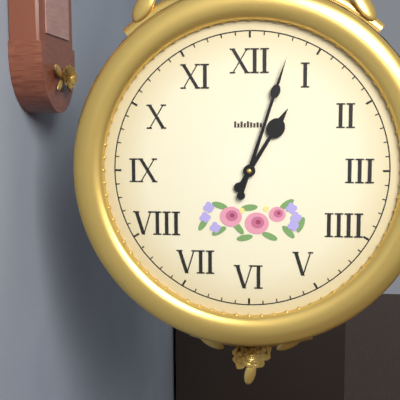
1,03
